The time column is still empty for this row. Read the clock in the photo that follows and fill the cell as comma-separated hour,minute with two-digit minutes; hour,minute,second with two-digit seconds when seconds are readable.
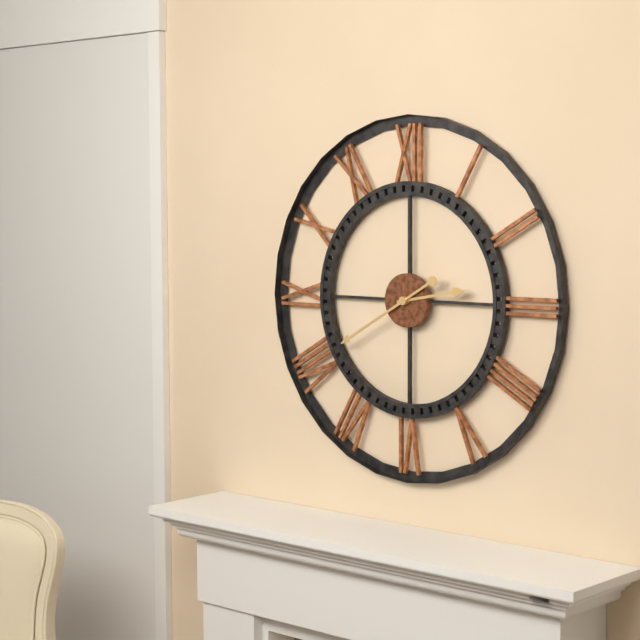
2,40
